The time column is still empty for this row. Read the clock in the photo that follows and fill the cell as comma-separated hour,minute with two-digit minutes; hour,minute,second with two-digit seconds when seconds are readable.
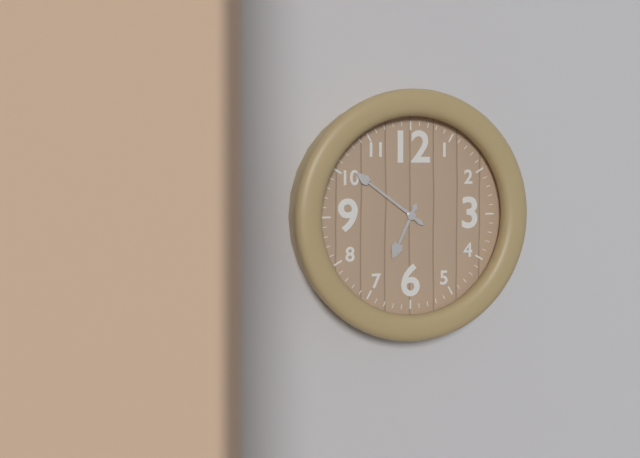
6,51
